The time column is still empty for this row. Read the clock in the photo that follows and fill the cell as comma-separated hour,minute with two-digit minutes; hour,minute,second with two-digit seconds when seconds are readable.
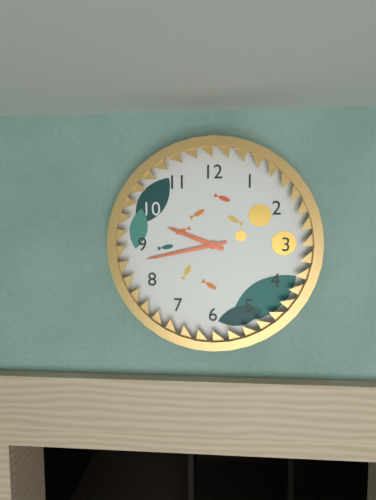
9,43
